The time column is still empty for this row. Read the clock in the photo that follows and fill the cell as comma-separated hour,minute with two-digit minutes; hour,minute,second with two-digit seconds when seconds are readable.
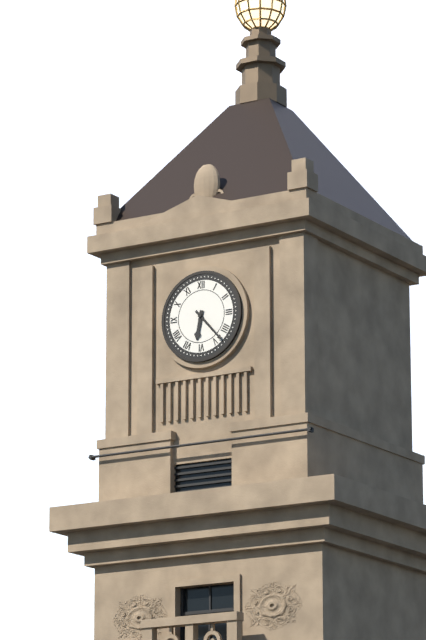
6,23
